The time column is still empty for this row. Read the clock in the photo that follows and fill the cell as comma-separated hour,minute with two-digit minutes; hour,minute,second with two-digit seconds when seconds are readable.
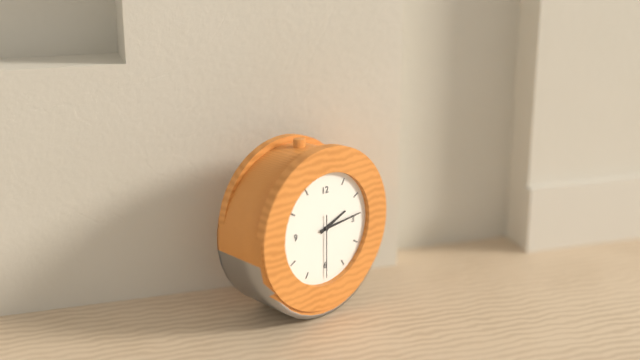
2,14,30
